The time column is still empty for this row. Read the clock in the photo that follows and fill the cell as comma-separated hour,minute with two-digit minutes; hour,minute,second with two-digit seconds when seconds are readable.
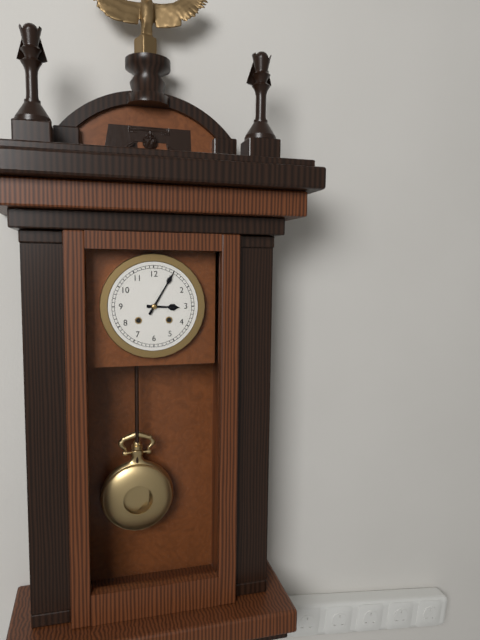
3,05
